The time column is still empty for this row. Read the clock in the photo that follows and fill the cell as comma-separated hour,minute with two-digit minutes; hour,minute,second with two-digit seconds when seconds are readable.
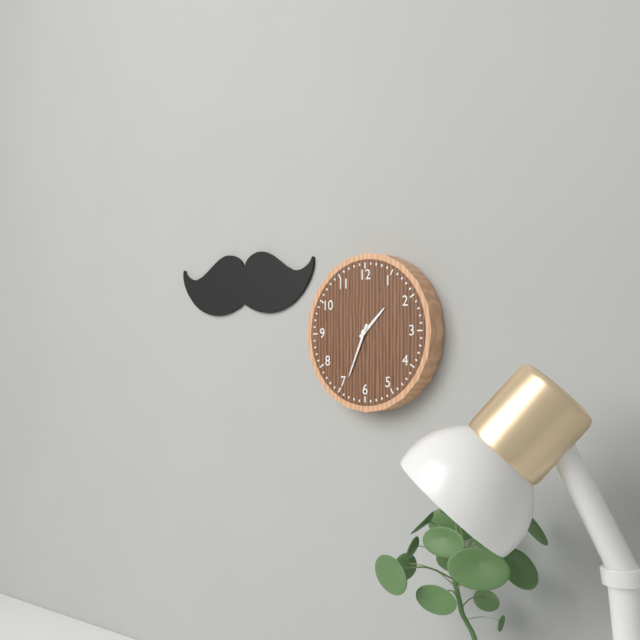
1,34
